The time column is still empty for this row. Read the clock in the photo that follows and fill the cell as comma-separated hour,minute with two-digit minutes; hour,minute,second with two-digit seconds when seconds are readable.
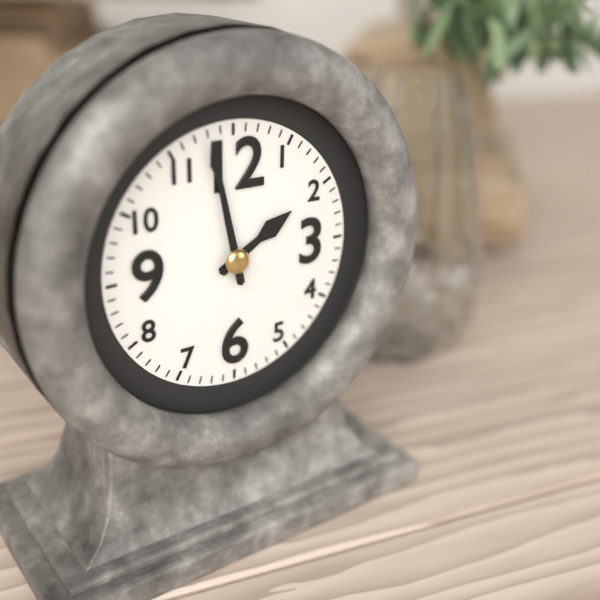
1,58
